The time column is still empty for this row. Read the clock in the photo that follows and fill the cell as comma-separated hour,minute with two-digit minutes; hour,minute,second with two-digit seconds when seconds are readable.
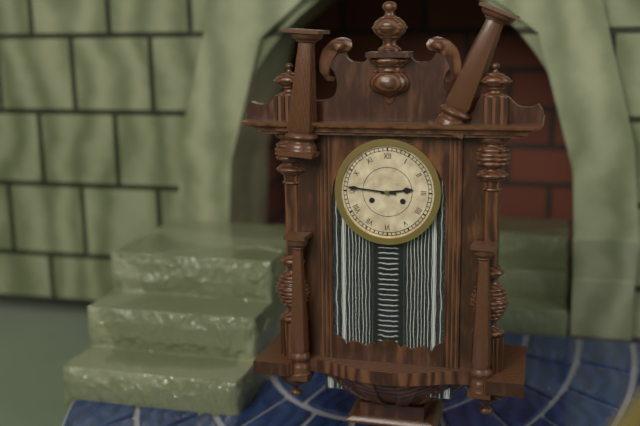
2,46
